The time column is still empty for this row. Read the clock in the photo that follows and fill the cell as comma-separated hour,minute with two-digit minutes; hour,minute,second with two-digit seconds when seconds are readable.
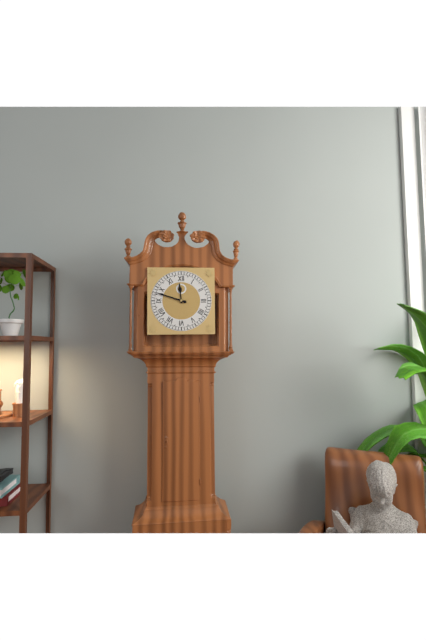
11,48
